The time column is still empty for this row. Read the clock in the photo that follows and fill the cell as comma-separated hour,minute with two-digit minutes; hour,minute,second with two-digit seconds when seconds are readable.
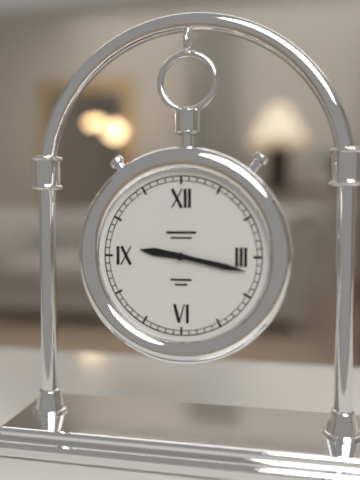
9,17
